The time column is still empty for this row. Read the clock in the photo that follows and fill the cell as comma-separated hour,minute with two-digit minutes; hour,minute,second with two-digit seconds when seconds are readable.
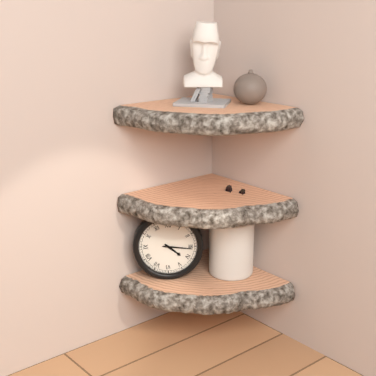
4,16
